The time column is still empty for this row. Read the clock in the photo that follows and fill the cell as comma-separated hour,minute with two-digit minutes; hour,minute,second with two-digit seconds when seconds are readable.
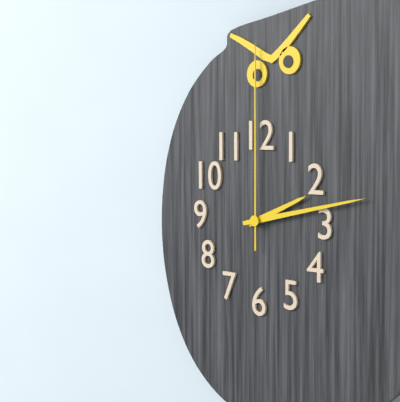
2,13,00
